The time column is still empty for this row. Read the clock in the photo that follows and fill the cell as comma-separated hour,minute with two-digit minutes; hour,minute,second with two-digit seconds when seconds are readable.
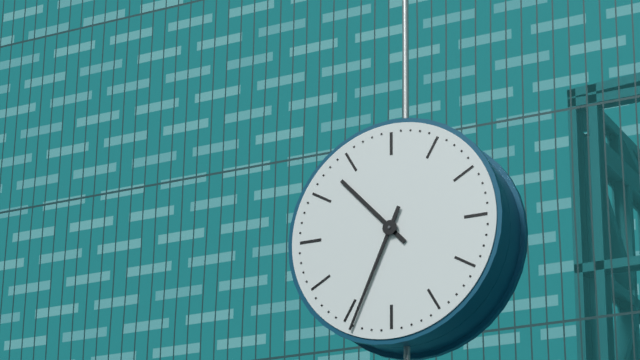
10,34
